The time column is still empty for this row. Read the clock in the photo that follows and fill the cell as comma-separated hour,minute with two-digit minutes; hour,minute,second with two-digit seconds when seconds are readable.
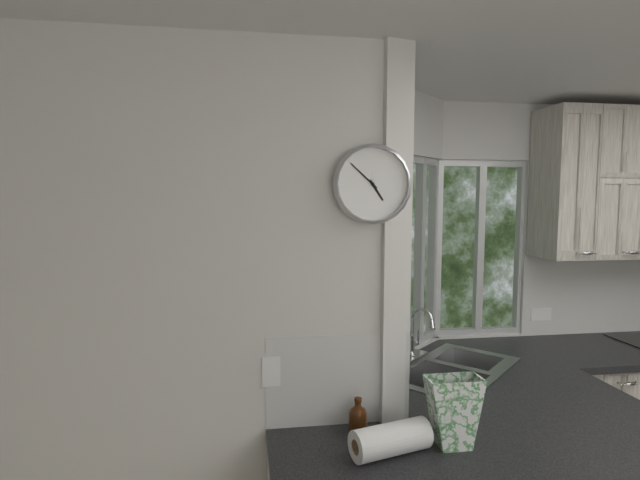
4,52
